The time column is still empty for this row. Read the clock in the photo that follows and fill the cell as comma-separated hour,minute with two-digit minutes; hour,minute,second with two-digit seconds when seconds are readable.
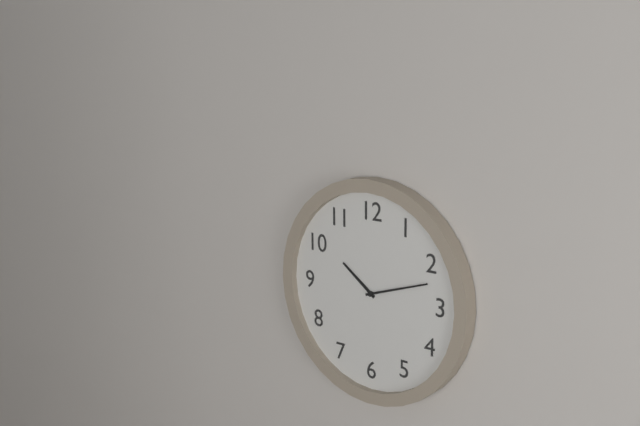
10,12
